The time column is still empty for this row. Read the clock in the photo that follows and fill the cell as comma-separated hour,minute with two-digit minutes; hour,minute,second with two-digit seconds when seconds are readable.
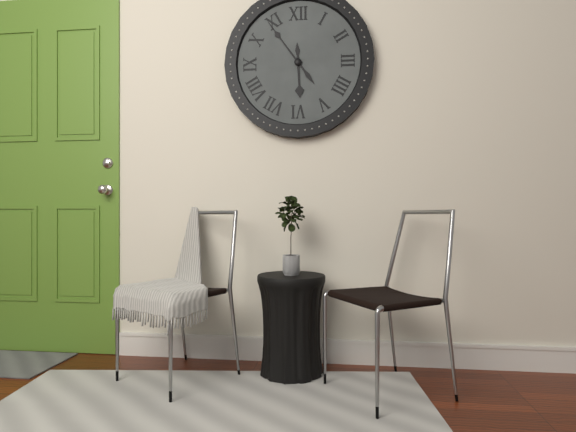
5,54
